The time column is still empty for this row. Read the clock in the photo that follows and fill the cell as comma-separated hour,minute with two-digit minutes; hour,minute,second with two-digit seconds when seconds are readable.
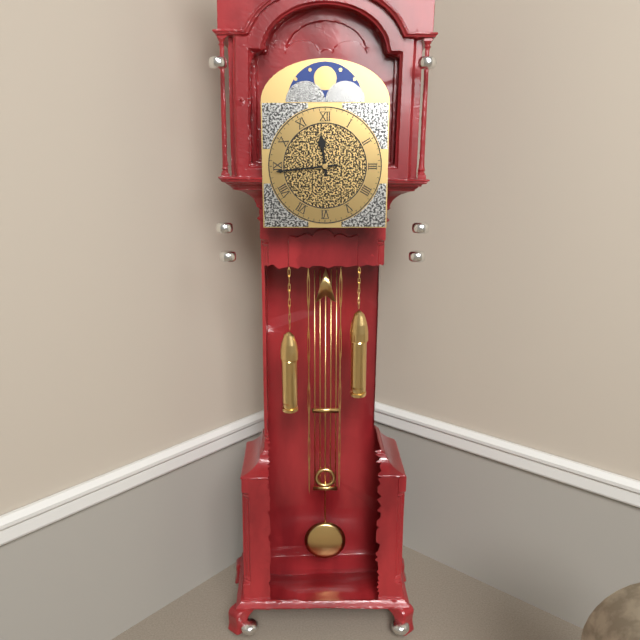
11,44
